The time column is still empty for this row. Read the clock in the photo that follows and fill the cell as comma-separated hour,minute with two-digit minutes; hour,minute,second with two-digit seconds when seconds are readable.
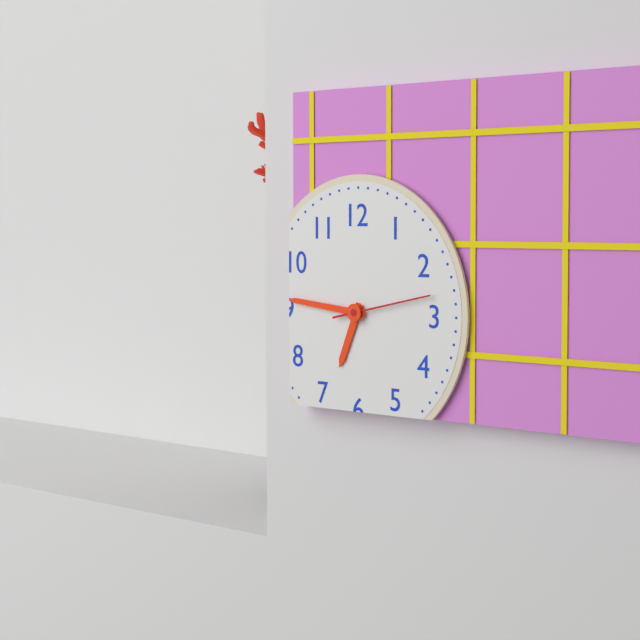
6,46,13
